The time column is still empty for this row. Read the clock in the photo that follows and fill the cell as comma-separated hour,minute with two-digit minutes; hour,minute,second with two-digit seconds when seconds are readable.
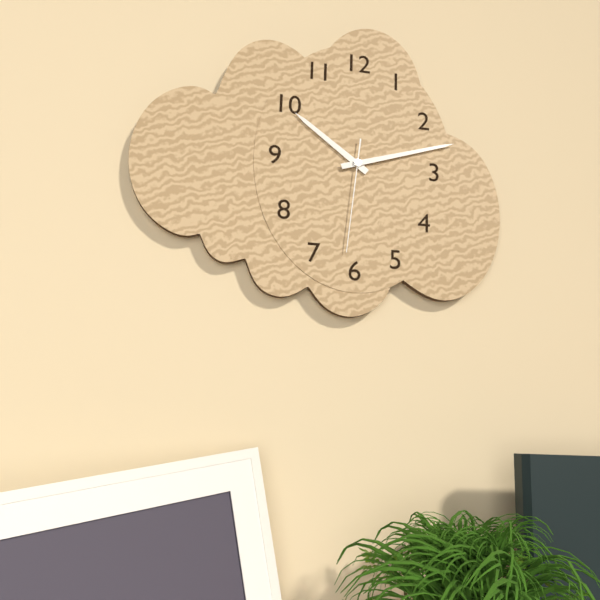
10,12,31
